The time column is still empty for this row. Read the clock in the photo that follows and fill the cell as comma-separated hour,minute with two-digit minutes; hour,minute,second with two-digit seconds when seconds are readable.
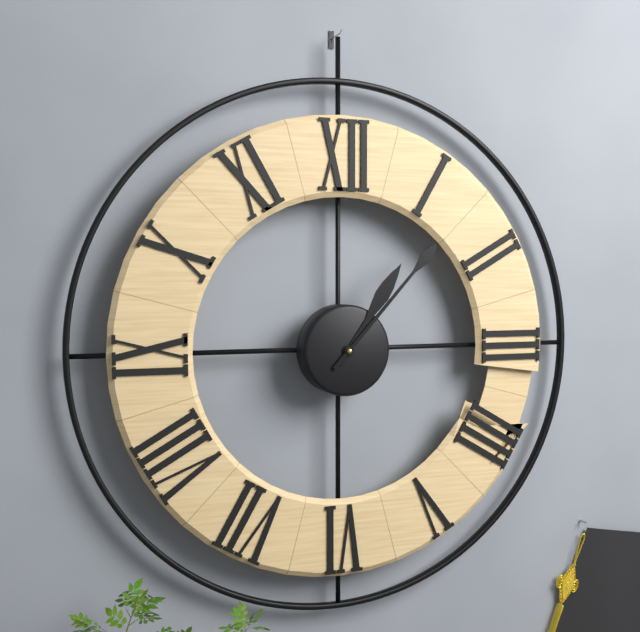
1,07
